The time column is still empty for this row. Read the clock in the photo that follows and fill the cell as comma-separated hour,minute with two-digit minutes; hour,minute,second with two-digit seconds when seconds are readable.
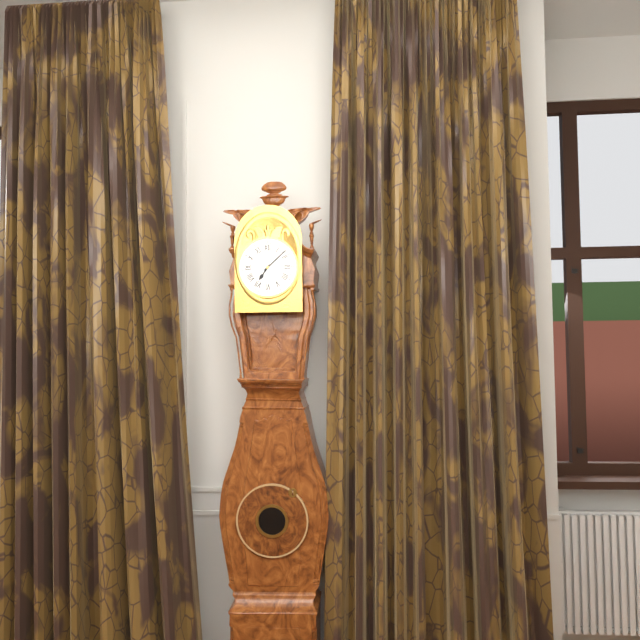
7,08
